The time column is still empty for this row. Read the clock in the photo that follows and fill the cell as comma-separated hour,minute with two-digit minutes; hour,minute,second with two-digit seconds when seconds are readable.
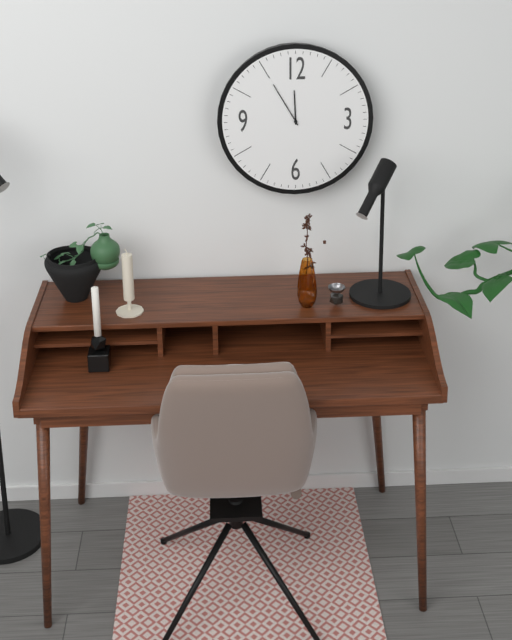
11,55
